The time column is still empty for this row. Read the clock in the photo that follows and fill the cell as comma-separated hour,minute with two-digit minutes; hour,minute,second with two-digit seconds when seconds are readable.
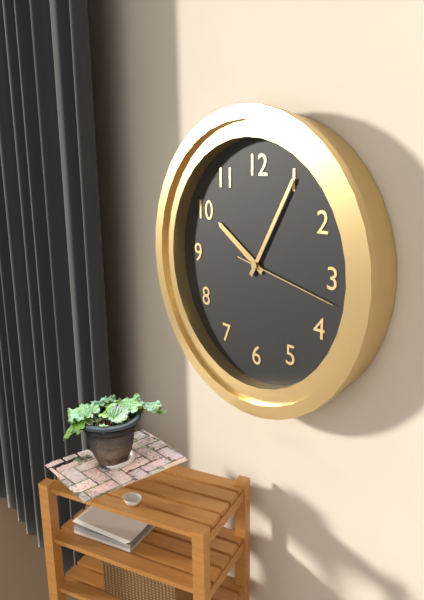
10,05,17
